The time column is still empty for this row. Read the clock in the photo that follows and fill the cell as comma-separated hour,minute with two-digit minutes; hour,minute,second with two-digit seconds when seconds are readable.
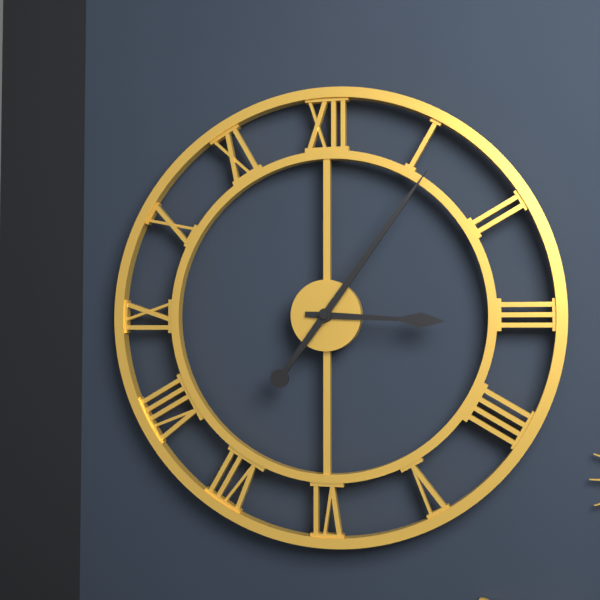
3,06
